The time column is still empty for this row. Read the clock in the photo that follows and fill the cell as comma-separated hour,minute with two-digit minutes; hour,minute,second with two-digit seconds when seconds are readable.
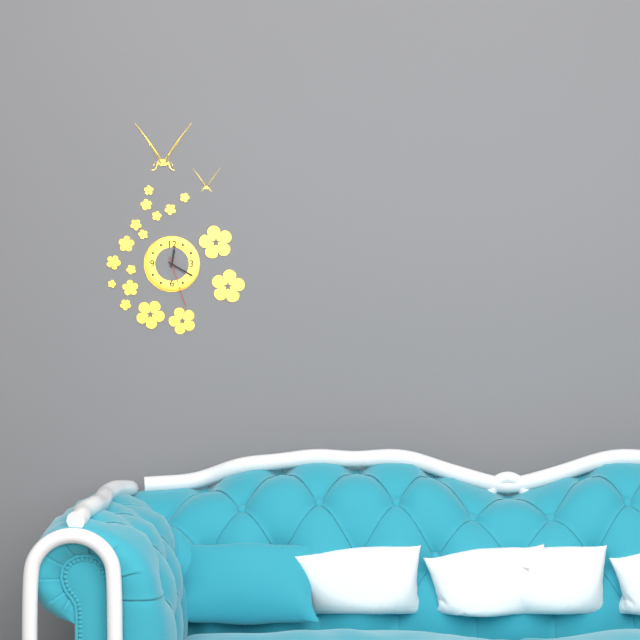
12,20,27
